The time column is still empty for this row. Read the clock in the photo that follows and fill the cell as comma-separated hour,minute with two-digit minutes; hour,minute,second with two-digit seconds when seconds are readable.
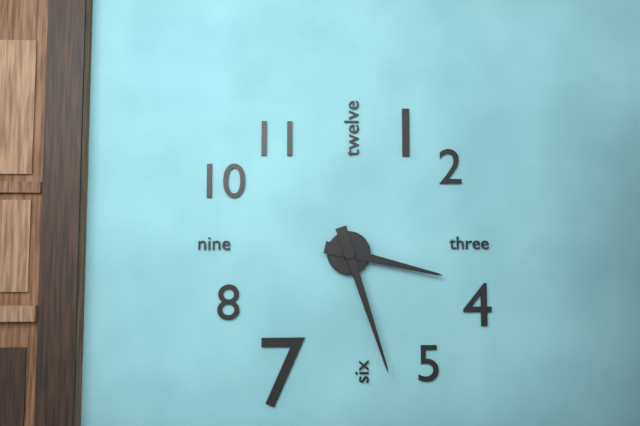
3,27
